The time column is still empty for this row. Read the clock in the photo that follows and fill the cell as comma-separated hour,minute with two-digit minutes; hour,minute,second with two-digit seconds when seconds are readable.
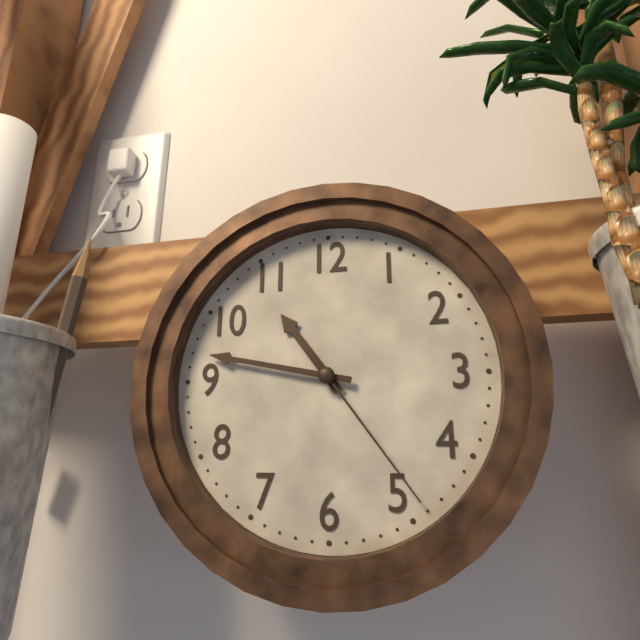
10,47,24
